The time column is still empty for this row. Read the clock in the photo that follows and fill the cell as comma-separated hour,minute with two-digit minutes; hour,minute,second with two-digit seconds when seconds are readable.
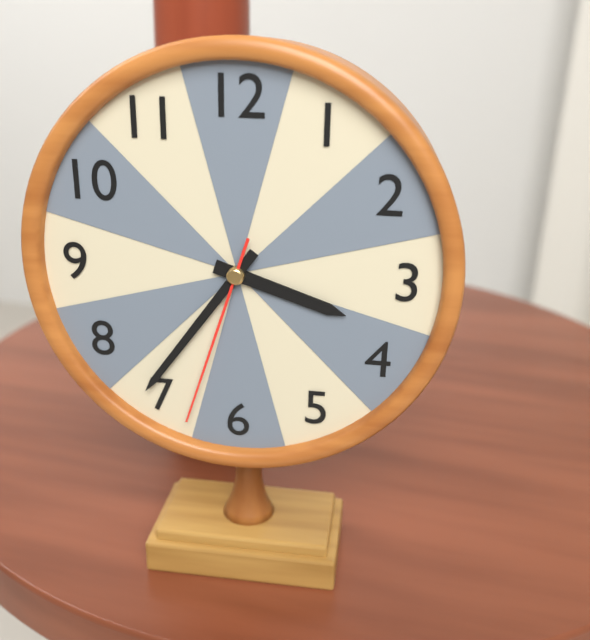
3,36,33
